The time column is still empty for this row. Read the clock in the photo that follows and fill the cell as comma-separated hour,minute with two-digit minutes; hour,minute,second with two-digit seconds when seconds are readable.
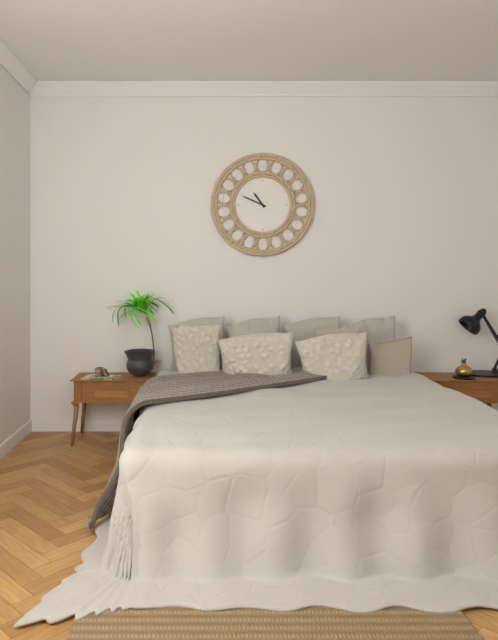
10,49
